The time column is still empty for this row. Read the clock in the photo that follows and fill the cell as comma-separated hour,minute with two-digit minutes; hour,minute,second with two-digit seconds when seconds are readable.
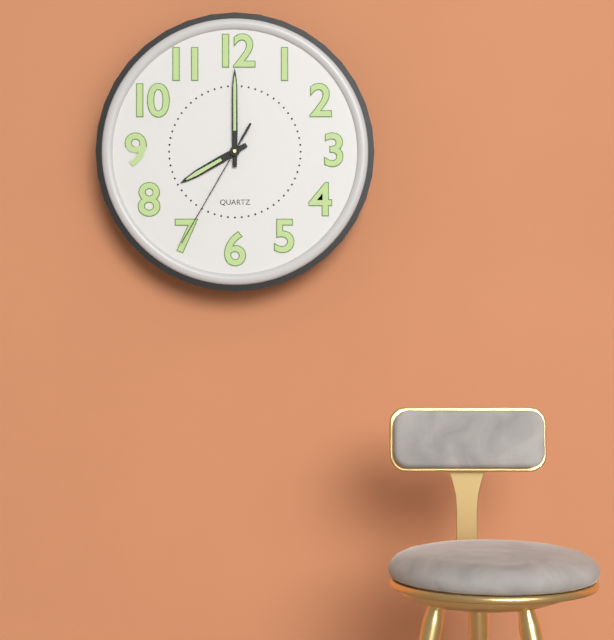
8,00,35
